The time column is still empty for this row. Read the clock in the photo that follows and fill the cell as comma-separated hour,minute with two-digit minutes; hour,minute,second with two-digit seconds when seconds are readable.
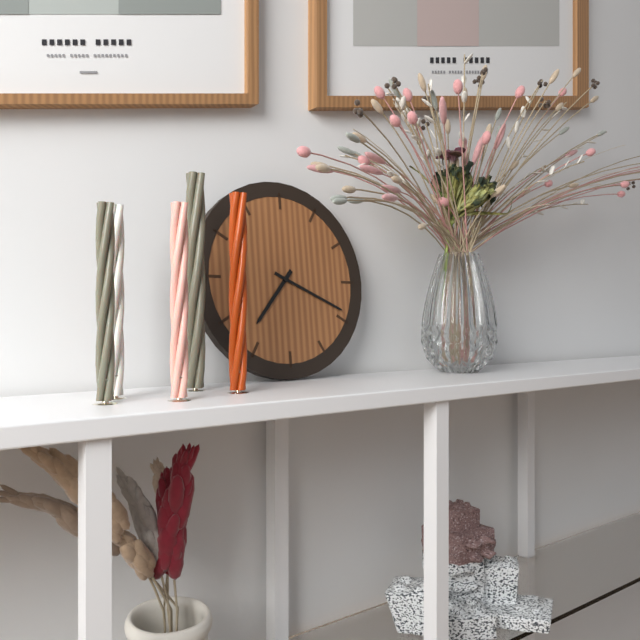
7,19
